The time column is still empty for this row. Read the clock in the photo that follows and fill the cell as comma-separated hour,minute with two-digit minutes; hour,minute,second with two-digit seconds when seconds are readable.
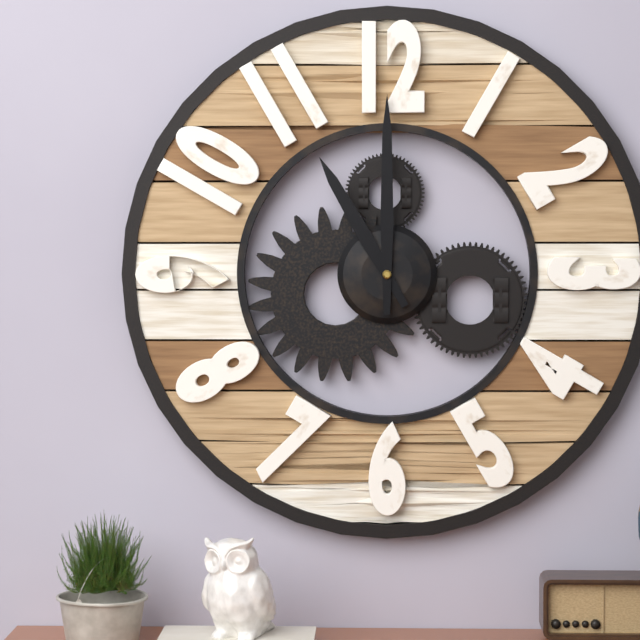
11,00
